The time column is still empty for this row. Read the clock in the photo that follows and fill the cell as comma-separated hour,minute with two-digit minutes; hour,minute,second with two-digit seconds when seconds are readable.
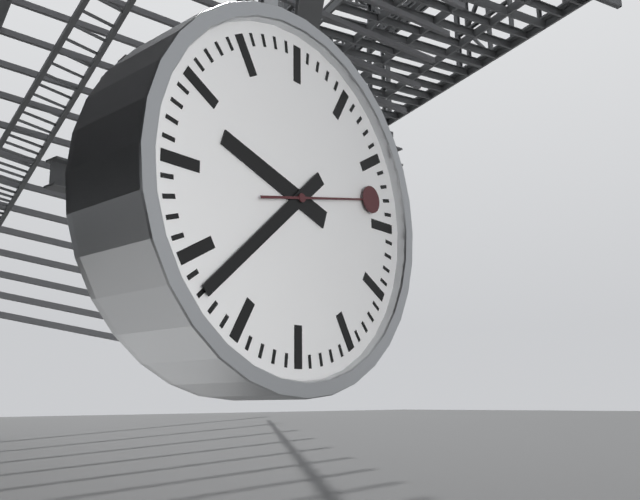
9,38,13
